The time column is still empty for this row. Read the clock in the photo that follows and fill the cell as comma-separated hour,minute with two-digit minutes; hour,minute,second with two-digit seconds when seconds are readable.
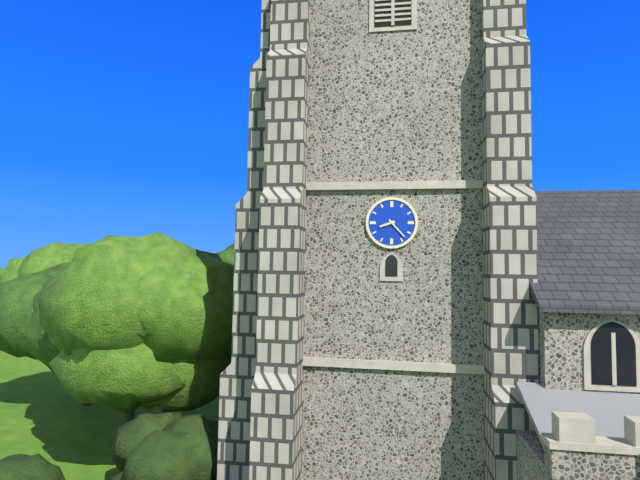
8,23
